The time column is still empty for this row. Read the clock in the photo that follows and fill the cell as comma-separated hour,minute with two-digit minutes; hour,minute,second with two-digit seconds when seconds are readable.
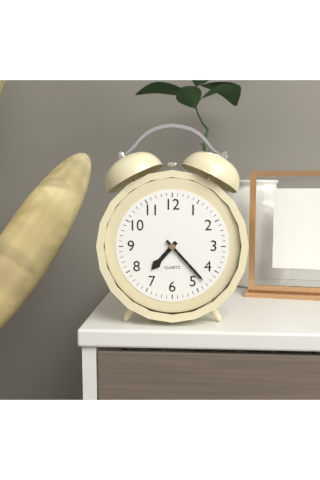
7,23
